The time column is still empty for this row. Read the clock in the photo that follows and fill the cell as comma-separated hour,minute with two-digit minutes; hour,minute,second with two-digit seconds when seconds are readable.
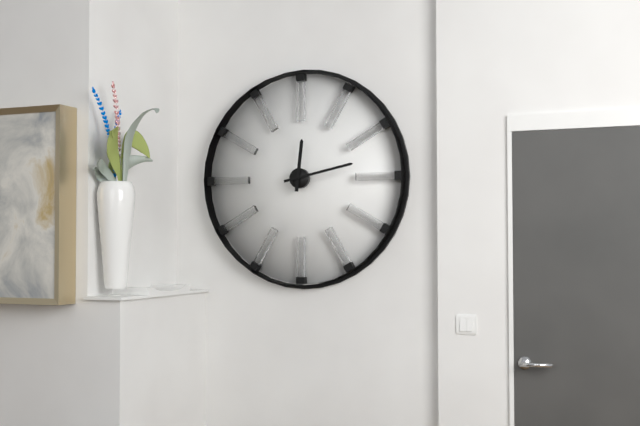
12,13
